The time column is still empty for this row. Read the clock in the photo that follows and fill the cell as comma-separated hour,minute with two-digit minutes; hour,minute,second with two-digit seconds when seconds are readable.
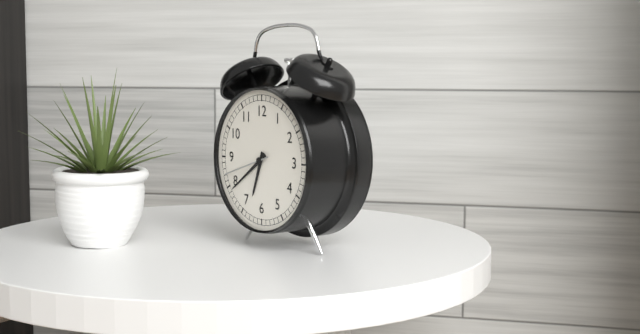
6,39
